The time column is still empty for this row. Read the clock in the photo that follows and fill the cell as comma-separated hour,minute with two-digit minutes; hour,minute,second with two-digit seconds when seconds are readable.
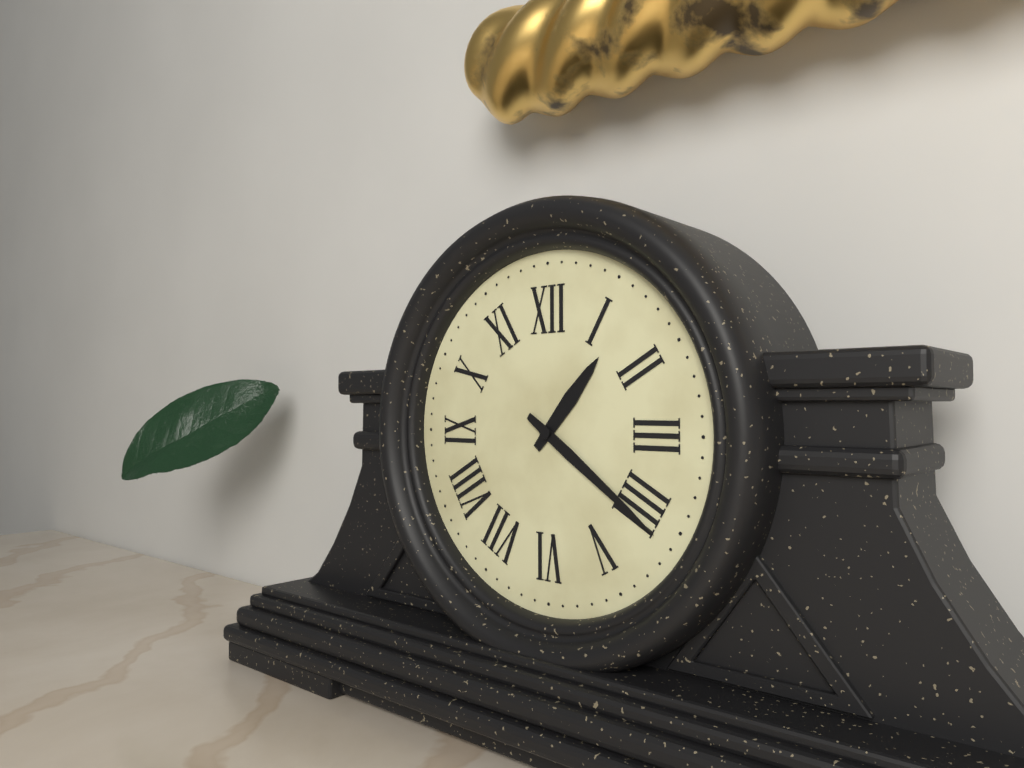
1,21
